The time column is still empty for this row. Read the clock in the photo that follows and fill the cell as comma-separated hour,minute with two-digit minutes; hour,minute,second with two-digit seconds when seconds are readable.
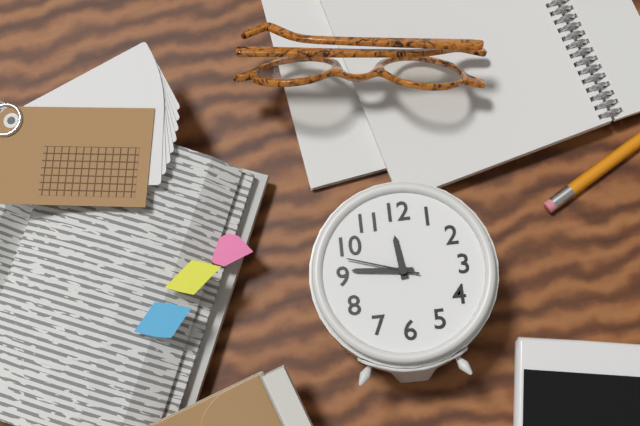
11,46,48
